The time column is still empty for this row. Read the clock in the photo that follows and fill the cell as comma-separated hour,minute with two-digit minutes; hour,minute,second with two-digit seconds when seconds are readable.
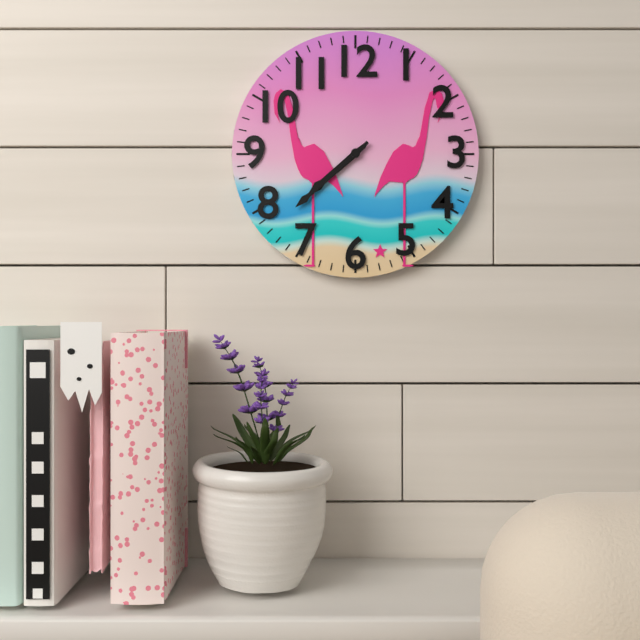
7,38
